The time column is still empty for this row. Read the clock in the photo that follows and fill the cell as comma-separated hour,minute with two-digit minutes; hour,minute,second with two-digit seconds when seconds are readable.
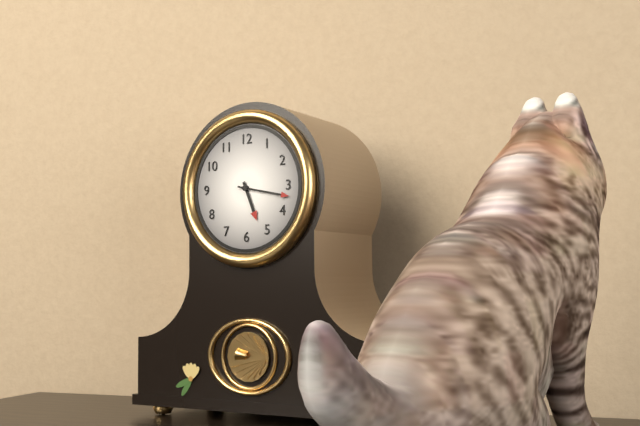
5,17
